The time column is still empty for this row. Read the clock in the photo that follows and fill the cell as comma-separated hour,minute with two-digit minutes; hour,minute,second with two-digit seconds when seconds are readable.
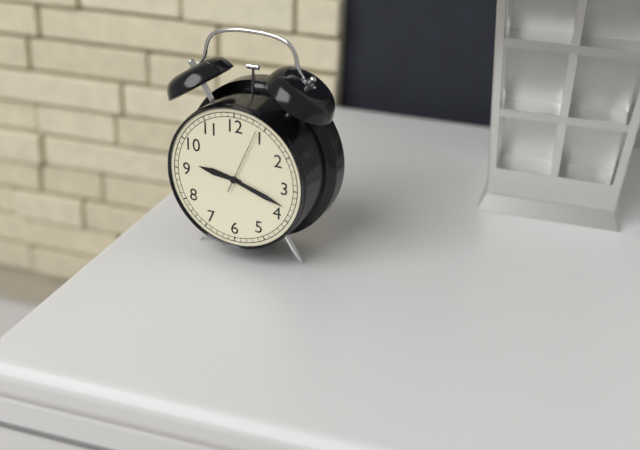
9,18,04
